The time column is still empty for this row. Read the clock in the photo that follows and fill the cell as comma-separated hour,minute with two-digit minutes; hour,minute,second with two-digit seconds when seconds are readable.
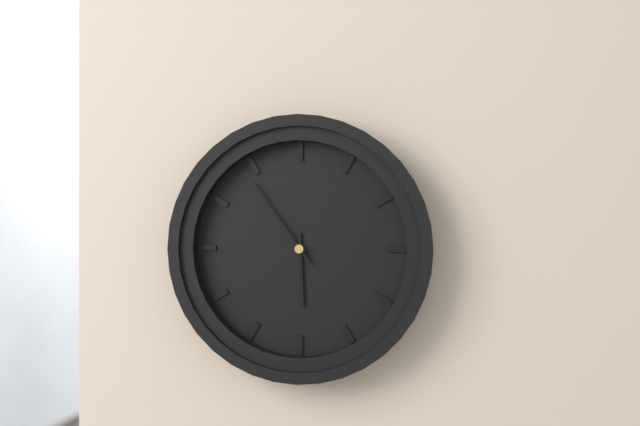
5,54
